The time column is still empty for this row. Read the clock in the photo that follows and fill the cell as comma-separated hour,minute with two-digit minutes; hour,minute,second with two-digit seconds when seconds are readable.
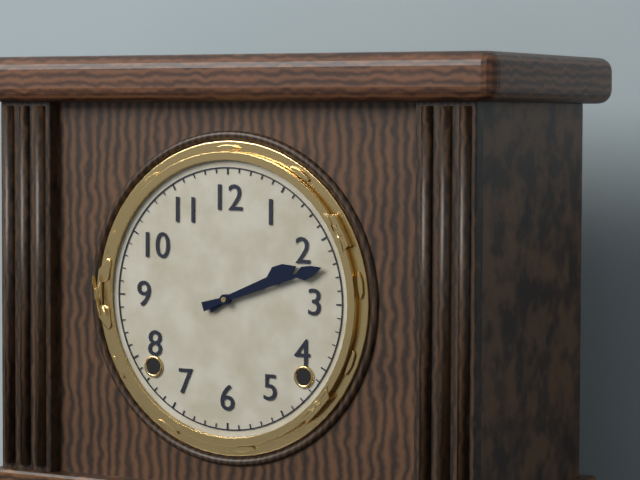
2,12
